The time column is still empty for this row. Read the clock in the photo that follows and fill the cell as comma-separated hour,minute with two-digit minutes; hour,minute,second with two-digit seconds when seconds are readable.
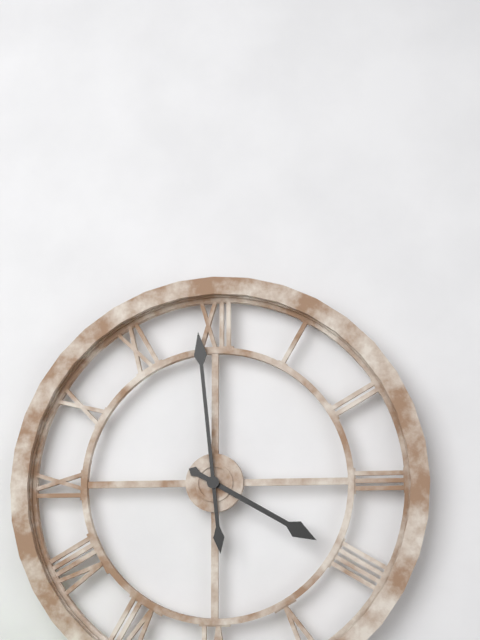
3,59
